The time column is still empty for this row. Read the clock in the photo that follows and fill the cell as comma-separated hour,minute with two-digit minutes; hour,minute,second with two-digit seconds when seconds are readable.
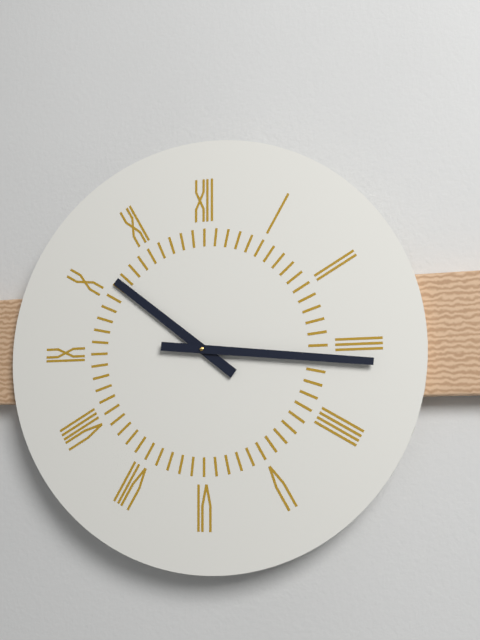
10,16
